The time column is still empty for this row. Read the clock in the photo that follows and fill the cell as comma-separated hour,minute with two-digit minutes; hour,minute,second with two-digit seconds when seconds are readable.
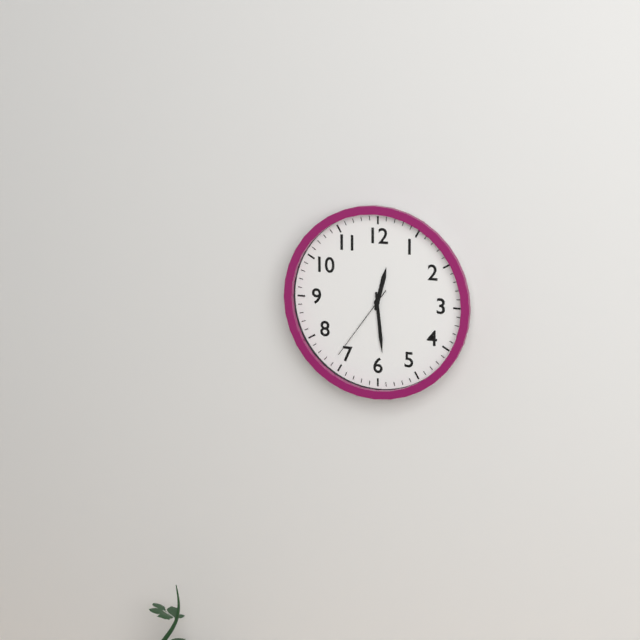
12,29,36
